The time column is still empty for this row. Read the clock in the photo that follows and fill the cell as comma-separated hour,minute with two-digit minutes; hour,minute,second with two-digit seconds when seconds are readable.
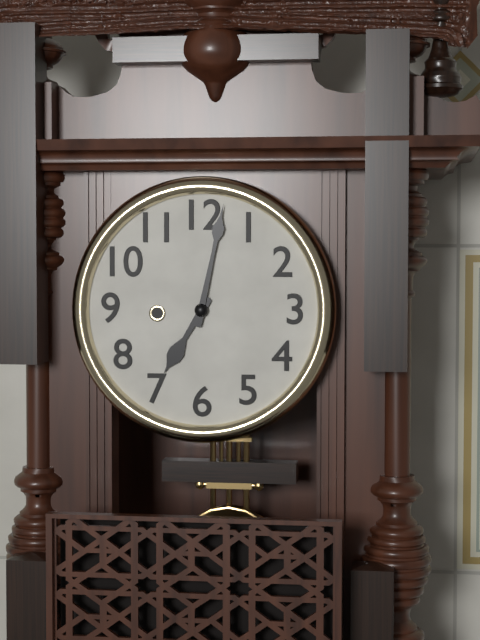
7,02
